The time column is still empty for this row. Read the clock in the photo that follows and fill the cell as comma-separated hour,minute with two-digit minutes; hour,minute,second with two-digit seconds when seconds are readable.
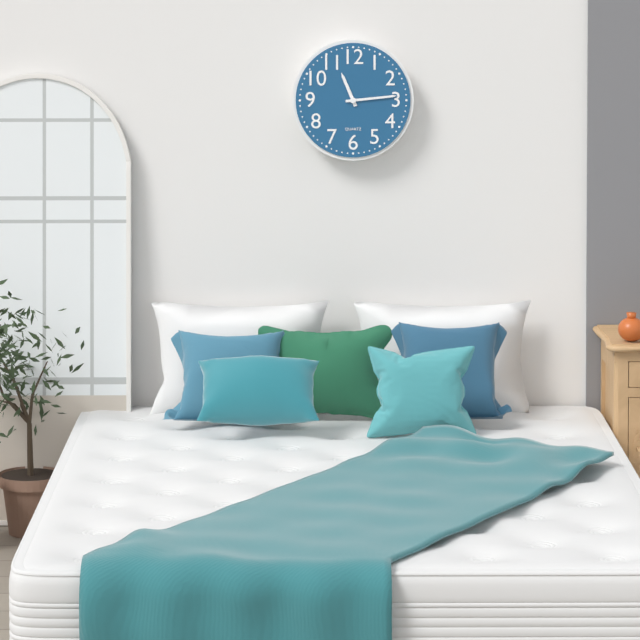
11,14
